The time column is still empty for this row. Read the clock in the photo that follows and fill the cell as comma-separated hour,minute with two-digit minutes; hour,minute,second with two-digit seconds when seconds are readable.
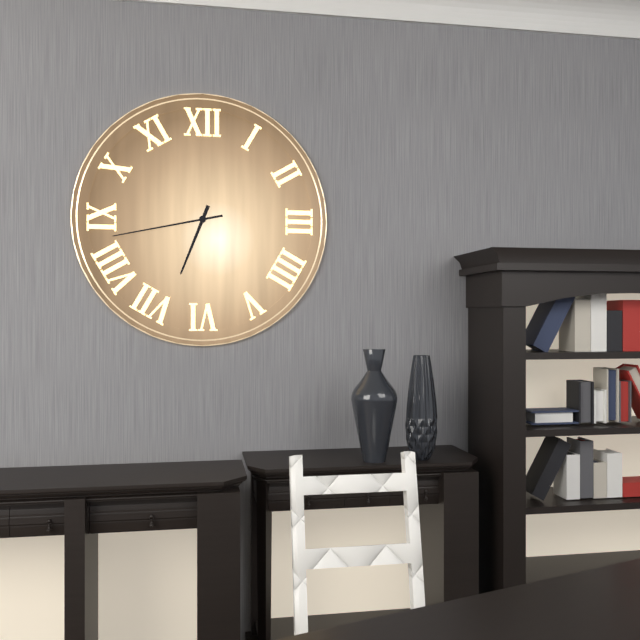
6,43
